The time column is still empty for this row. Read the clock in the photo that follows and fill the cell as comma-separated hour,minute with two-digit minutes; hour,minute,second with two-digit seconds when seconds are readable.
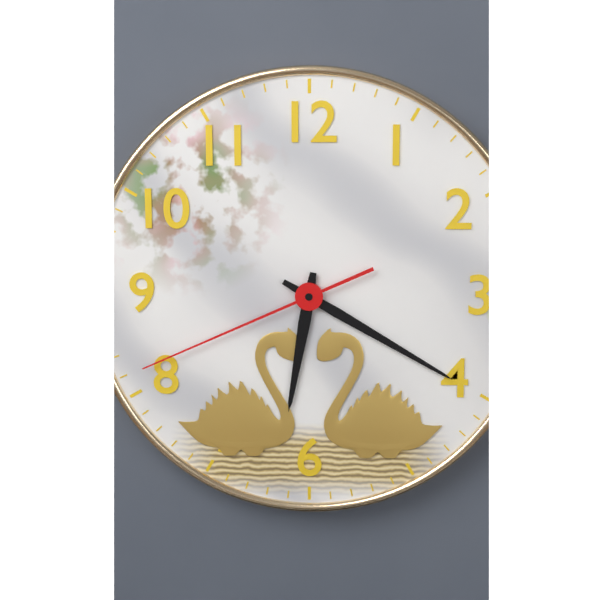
6,20,41
